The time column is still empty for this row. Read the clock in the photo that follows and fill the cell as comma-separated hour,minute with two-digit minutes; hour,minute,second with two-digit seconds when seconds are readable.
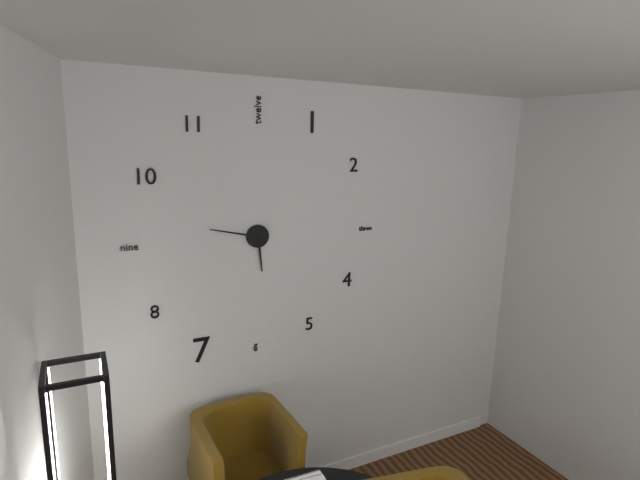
5,47
